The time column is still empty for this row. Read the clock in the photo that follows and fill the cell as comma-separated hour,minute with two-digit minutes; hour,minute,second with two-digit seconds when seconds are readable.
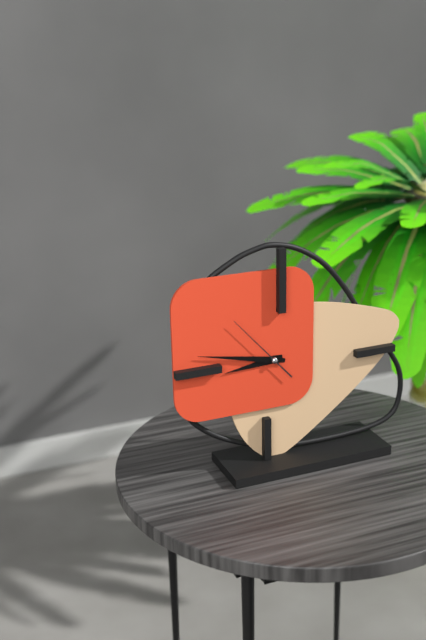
8,47,53
